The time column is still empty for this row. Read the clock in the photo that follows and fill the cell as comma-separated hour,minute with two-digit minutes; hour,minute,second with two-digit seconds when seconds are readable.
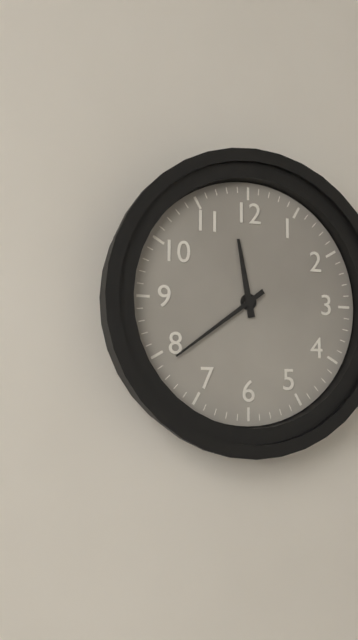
11,39
